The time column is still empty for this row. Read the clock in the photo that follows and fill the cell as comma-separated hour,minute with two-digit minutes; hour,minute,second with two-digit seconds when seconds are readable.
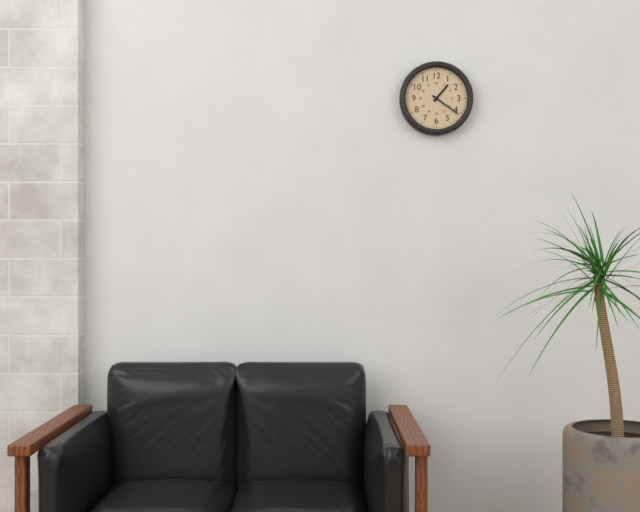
1,21
